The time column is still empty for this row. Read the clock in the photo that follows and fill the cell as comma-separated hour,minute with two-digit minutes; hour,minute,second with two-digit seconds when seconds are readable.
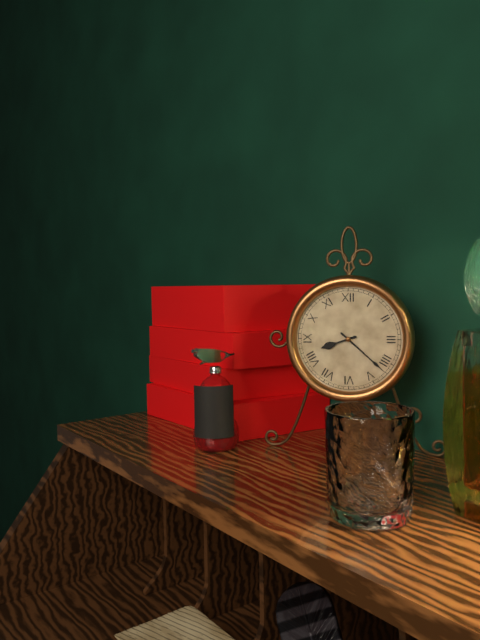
8,22
